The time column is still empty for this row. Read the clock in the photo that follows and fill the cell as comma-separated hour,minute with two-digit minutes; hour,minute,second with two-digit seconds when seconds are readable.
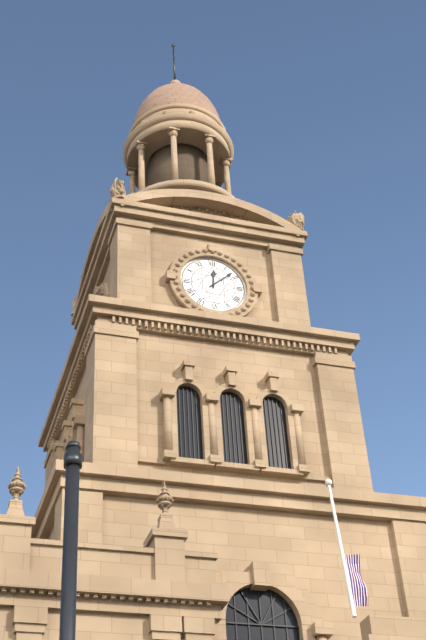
12,08
